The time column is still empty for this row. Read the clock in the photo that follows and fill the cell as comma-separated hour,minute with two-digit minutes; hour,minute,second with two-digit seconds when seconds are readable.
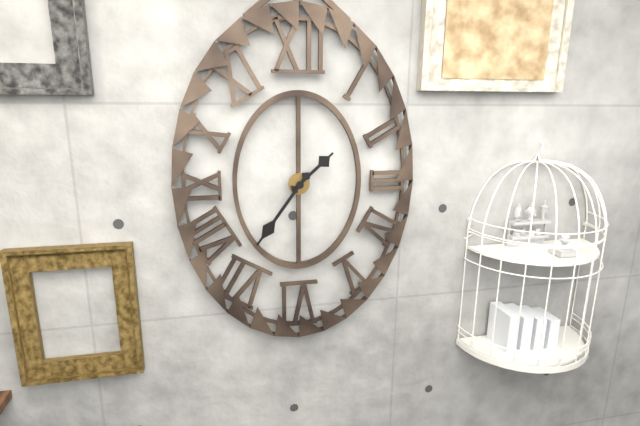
1,36
